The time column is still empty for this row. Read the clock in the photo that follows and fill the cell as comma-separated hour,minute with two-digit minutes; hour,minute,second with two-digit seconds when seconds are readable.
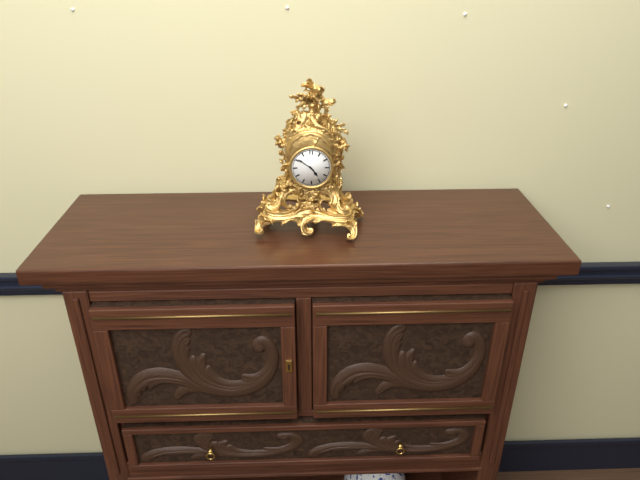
4,51
